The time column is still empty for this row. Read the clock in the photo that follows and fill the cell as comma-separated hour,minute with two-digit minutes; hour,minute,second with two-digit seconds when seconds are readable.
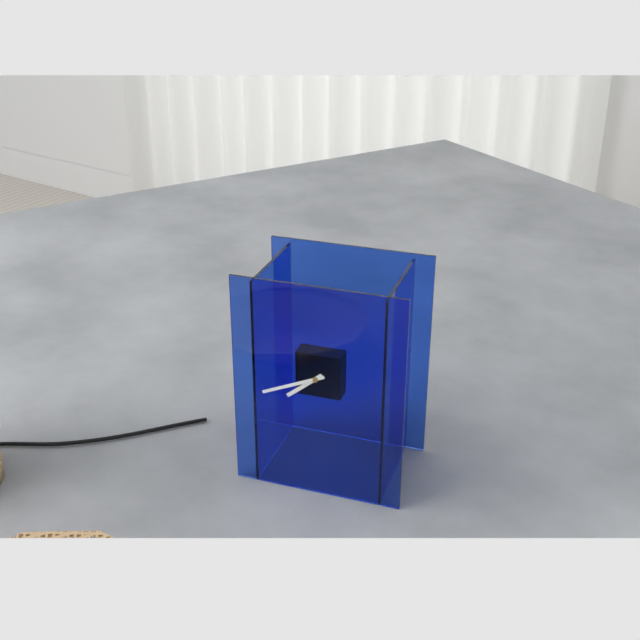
7,41
